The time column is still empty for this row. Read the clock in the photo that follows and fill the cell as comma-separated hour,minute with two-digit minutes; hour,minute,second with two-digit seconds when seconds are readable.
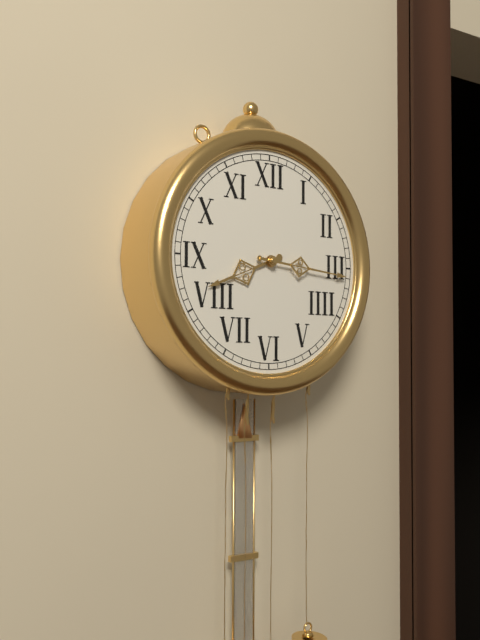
8,16
